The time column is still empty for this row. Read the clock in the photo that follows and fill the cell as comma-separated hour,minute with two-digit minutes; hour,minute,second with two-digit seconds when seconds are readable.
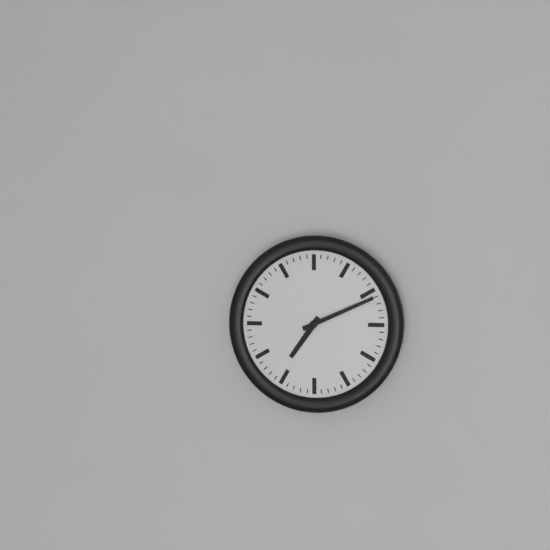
7,11
